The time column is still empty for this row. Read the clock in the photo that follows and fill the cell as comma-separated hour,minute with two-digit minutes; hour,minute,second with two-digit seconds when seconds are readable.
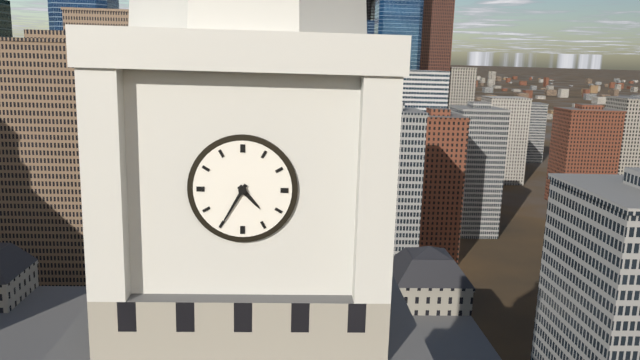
4,35
